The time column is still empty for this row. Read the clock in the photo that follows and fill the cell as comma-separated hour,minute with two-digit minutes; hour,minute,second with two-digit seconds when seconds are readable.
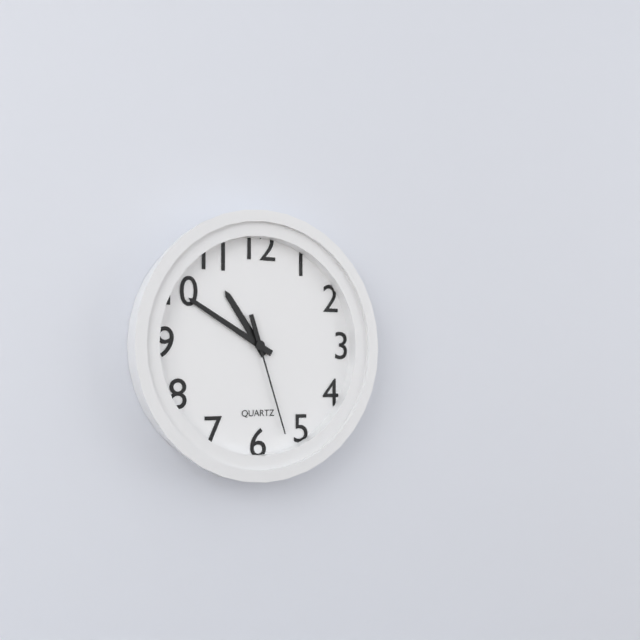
10,50,27
